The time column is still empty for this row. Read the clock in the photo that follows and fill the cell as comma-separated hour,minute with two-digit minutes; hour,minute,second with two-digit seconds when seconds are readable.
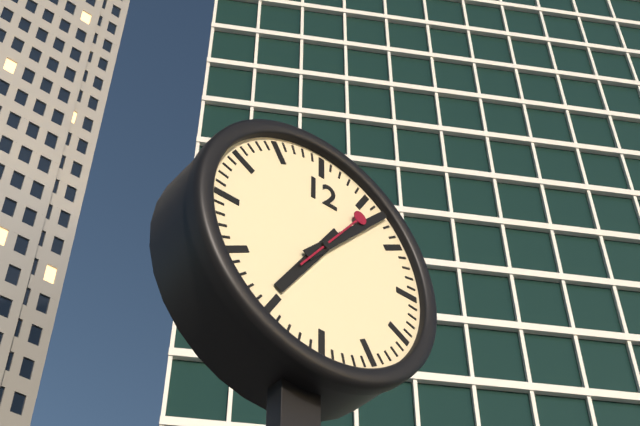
7,07,06
